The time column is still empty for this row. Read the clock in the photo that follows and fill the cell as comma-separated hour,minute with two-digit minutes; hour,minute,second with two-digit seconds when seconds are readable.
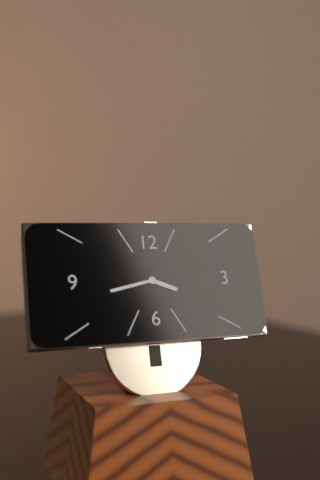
3,43
